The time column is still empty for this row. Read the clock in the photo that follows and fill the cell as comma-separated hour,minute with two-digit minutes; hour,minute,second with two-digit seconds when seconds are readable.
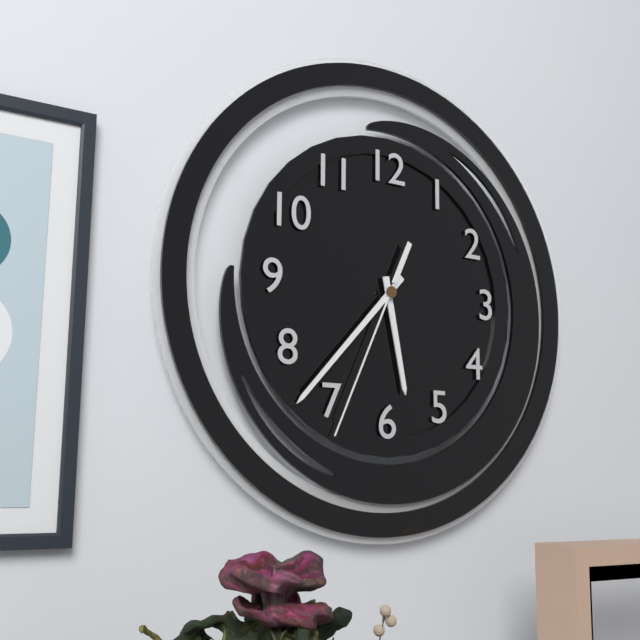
5,37,34
